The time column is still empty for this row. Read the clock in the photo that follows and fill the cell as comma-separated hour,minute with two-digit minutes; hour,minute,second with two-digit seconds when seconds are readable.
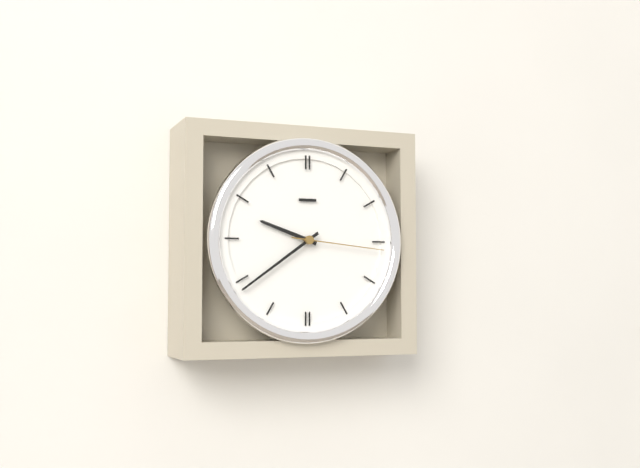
9,39,16
